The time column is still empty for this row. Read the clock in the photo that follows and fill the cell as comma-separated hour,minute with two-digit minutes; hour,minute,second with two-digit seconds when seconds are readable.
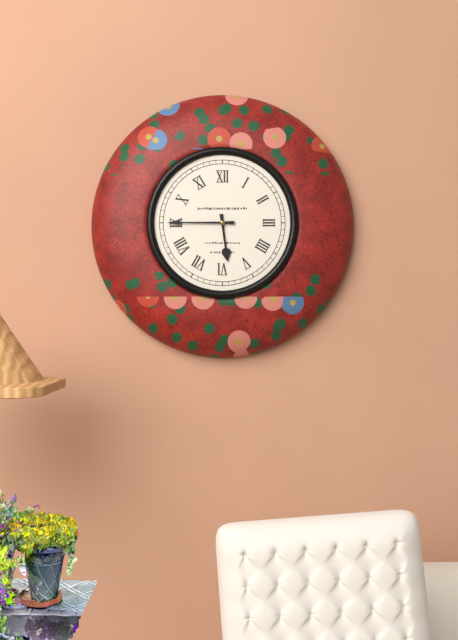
5,45
